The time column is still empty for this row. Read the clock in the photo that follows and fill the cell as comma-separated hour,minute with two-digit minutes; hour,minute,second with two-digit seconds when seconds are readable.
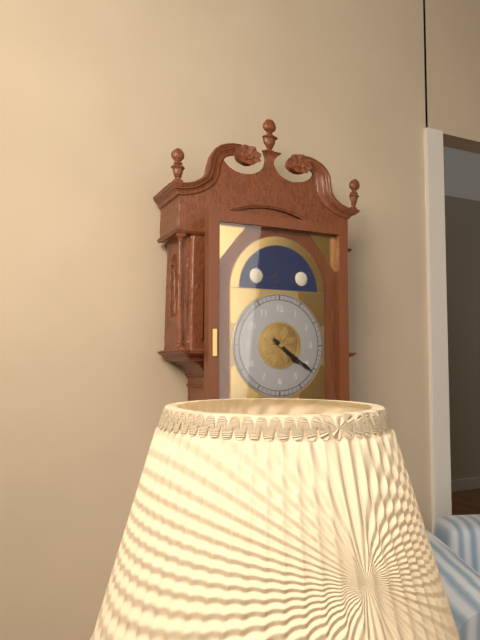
4,21
